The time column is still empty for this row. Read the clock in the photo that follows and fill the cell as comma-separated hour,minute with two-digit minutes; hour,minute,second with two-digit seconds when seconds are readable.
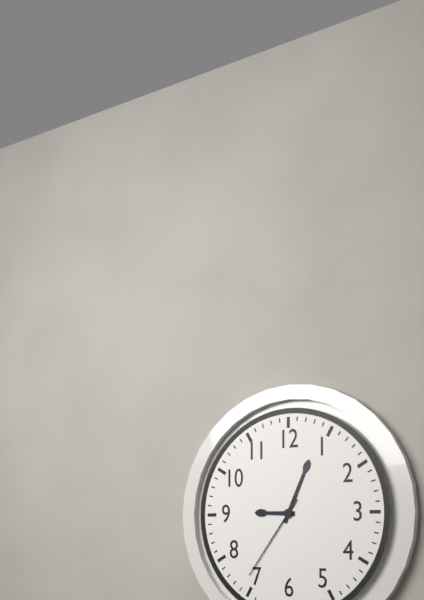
9,04,36
